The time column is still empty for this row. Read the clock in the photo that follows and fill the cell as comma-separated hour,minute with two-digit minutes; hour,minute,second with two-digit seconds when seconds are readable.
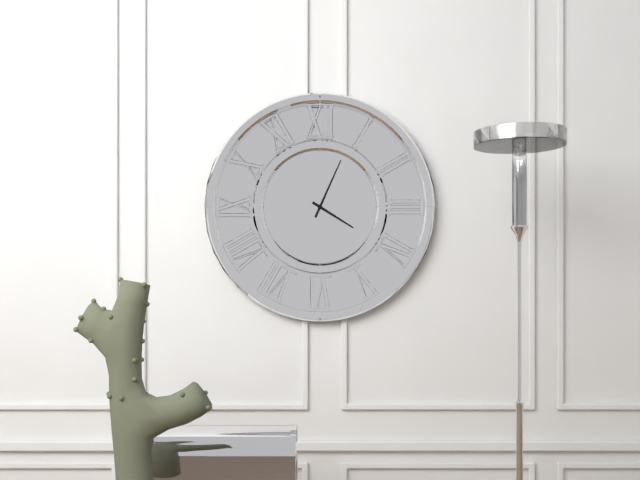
4,04
